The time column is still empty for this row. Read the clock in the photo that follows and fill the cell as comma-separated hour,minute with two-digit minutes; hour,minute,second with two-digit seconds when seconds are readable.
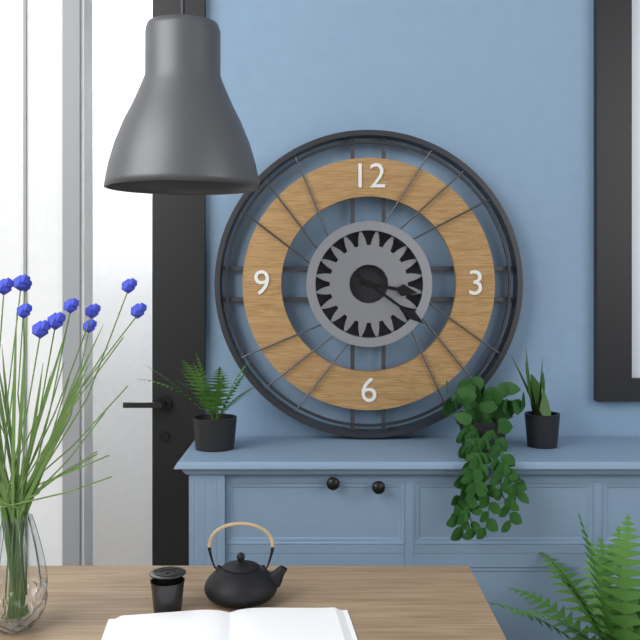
3,21
